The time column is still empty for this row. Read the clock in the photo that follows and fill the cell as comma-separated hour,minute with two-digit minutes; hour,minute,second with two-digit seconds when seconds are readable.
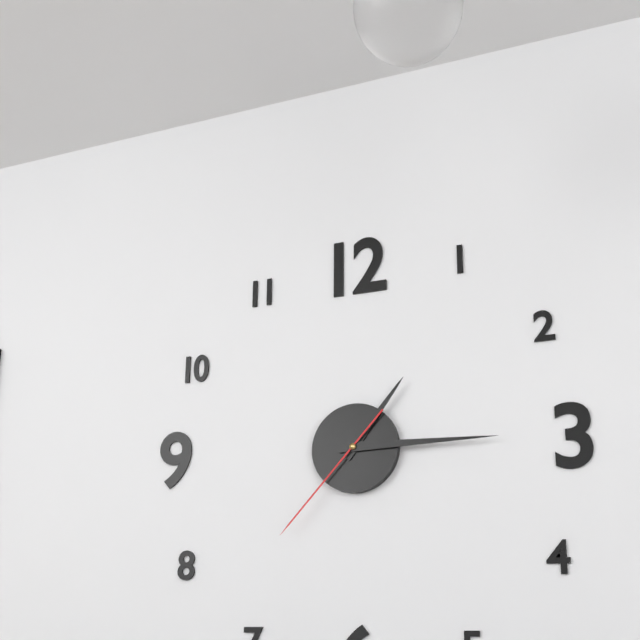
1,15,37
